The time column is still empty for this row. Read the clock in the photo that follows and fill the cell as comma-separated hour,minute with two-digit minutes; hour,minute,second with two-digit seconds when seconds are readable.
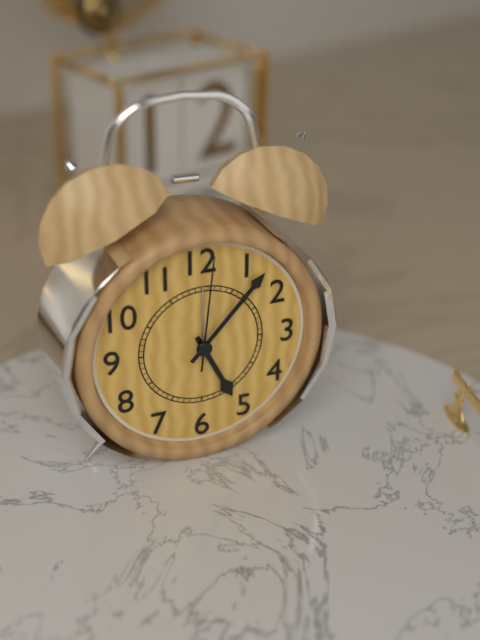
5,07,01
